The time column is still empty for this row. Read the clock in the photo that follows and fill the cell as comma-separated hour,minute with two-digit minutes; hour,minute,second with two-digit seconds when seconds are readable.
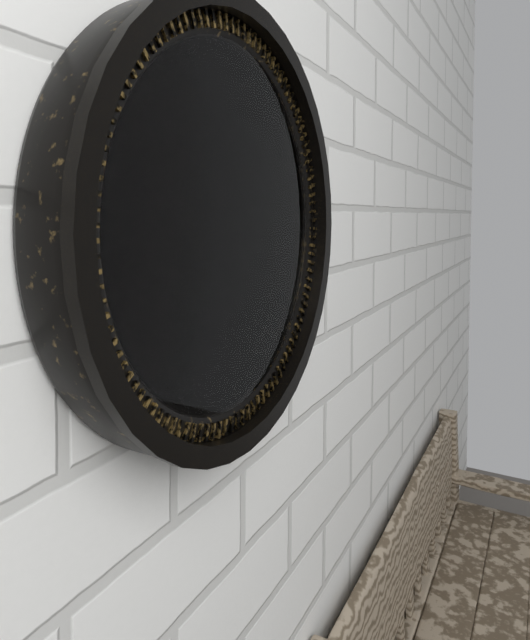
10,18
